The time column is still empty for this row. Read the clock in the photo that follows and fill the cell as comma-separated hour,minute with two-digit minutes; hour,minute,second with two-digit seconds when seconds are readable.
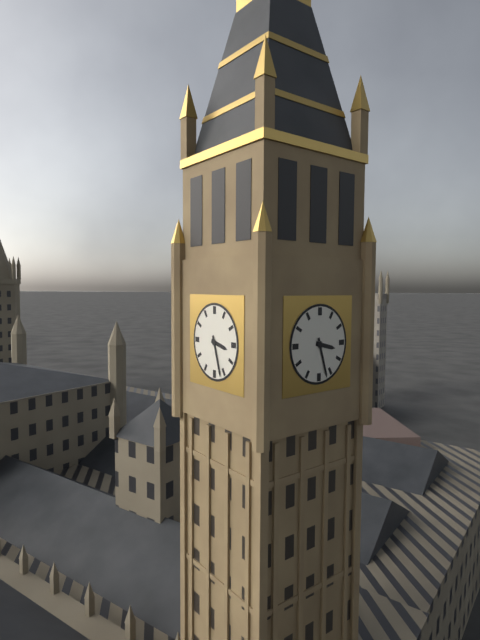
3,27
